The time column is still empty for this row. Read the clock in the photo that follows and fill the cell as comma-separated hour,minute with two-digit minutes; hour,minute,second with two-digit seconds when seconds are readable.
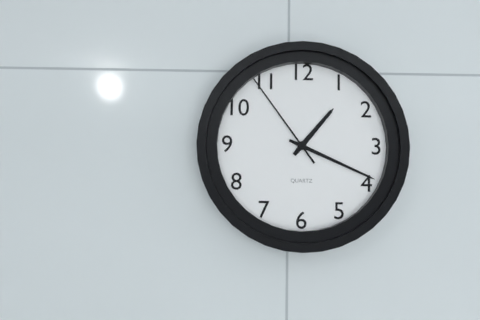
1,19,54
